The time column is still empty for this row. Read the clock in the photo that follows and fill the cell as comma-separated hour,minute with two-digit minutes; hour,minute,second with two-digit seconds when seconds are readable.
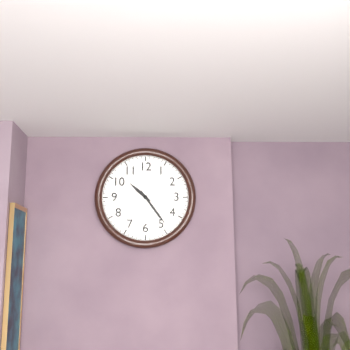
10,24
